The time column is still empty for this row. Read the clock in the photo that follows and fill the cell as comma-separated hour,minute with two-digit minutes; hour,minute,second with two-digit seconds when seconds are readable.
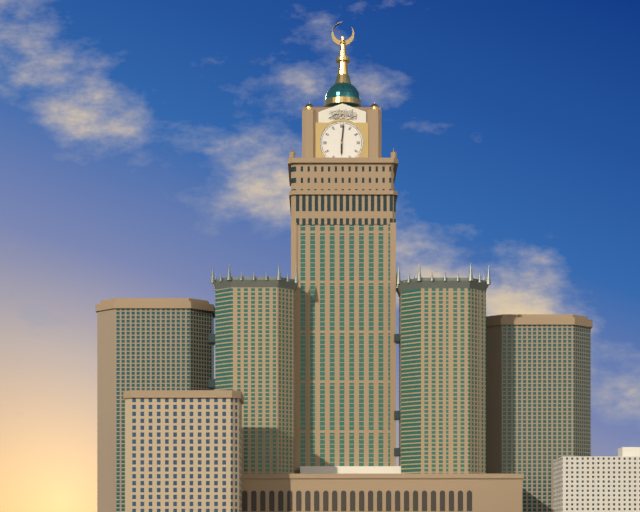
6,01
